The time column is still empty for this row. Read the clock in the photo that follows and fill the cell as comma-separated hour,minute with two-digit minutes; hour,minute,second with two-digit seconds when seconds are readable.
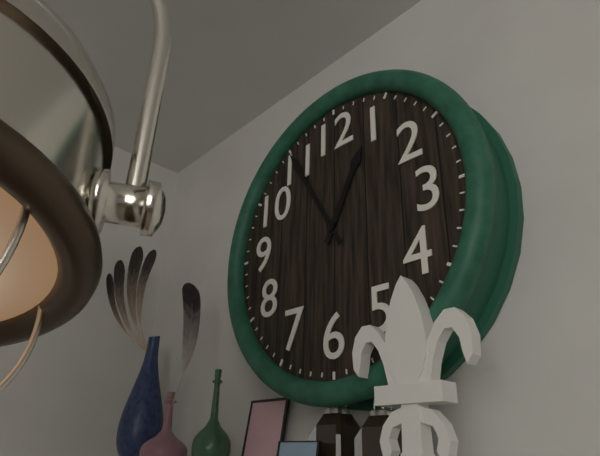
12,55
